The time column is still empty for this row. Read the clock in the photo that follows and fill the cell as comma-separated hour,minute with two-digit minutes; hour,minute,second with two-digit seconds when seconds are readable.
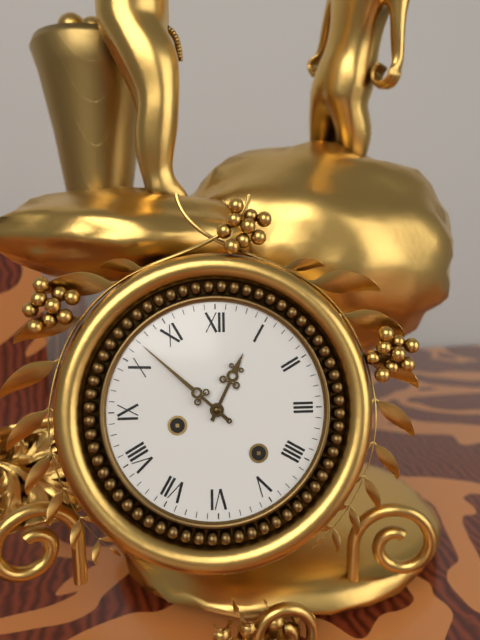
12,52
